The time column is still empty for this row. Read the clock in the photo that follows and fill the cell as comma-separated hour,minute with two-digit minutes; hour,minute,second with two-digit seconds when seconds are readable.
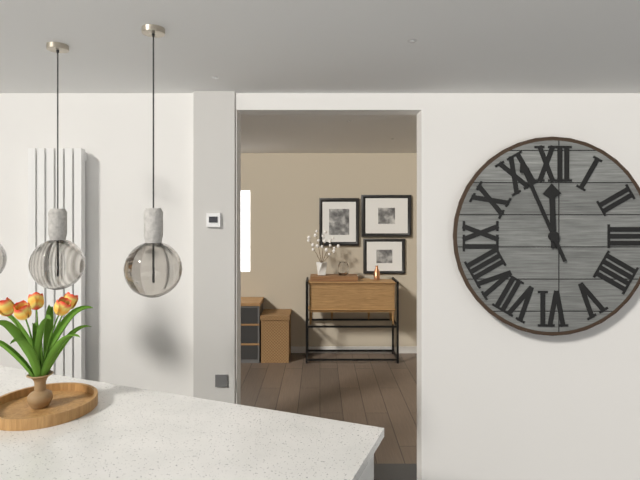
11,56
